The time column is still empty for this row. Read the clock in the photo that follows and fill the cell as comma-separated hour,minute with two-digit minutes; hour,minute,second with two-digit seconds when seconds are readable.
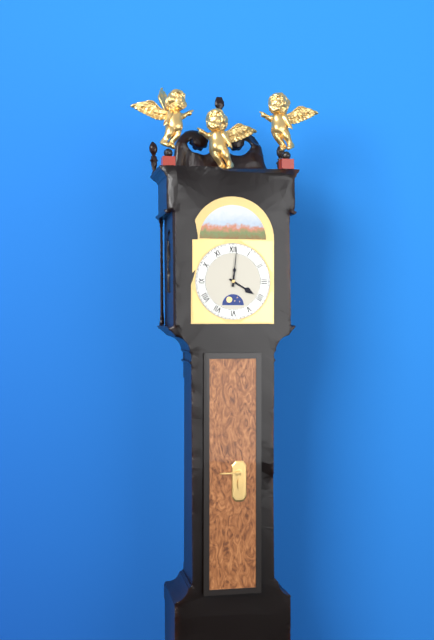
4,01
